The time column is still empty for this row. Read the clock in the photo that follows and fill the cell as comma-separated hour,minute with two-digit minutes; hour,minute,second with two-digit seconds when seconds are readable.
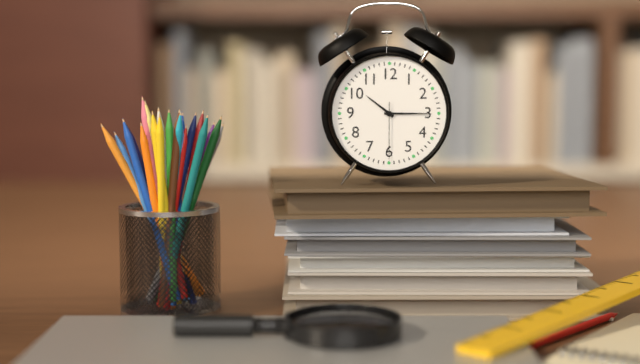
10,15,30
